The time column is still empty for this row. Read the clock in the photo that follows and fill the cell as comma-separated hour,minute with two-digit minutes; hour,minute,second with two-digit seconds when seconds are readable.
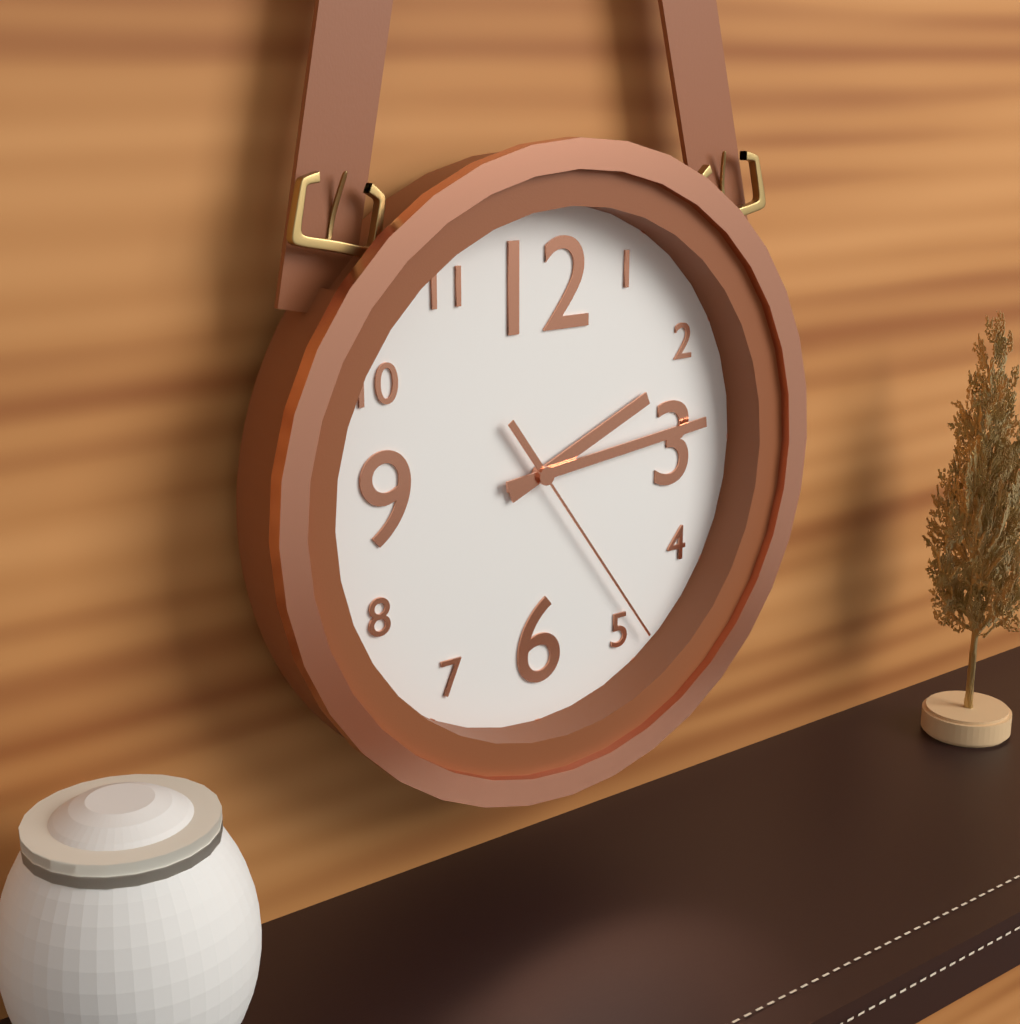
2,14,24
